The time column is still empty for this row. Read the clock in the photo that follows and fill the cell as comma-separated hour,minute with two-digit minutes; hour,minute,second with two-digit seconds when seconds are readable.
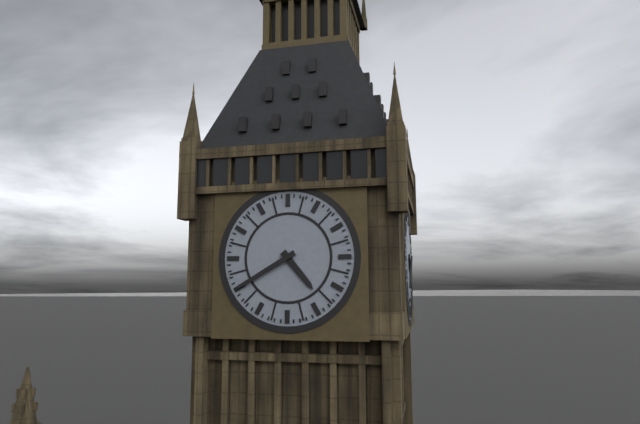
4,40
